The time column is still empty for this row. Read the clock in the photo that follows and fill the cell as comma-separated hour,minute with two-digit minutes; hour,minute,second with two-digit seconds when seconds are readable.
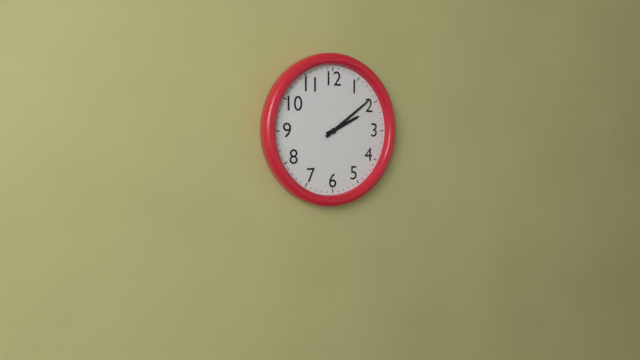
2,09
